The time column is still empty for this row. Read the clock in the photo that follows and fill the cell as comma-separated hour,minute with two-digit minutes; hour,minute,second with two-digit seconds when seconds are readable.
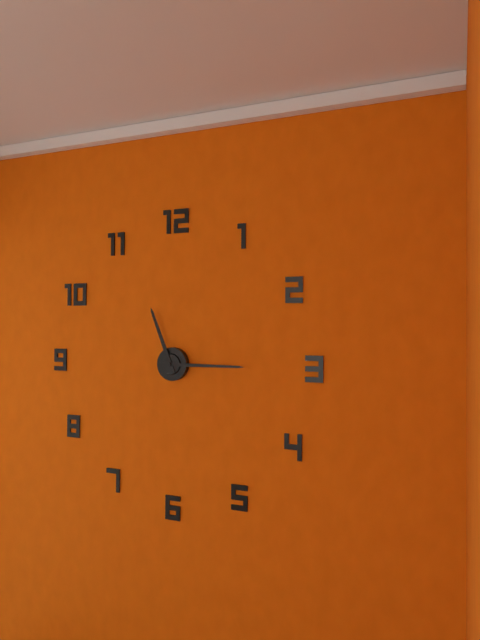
11,15
